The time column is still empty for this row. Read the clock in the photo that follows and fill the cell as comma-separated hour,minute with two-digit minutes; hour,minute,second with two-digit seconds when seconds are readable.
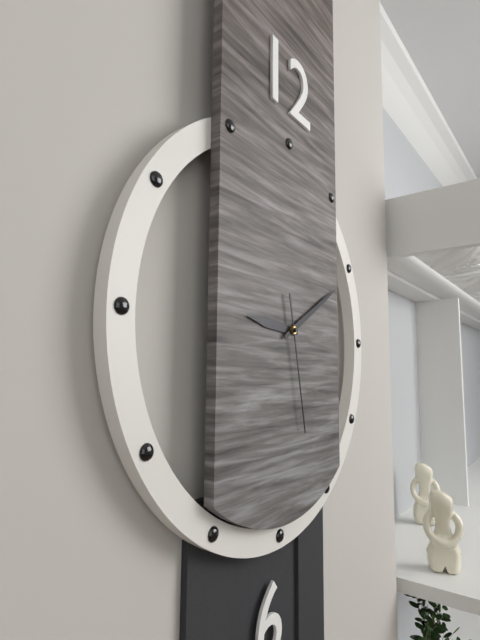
9,10,28
